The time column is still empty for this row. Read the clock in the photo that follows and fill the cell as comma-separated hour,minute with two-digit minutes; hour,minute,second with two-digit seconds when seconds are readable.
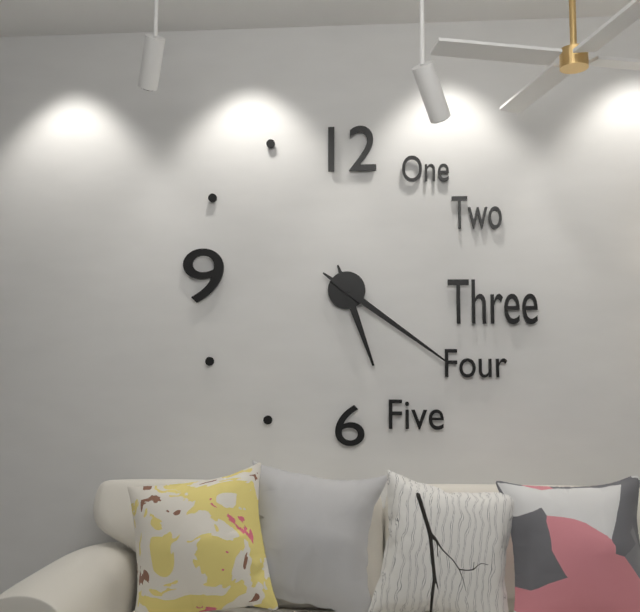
5,21
